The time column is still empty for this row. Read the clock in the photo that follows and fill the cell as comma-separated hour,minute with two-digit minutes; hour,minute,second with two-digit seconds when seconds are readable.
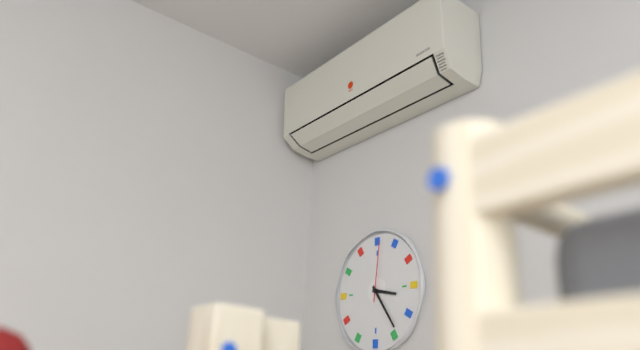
3,24,01
